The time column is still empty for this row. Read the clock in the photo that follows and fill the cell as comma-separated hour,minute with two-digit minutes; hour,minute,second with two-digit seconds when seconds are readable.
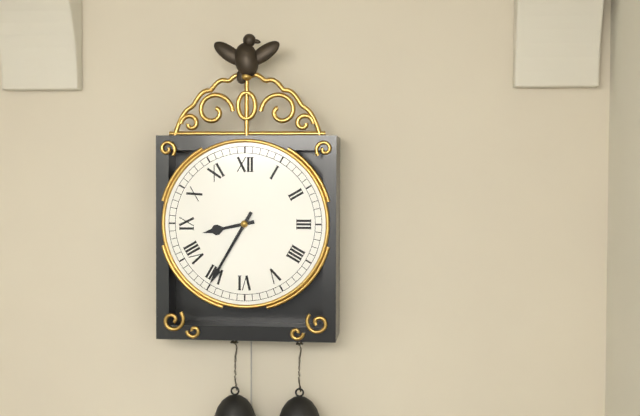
8,35
